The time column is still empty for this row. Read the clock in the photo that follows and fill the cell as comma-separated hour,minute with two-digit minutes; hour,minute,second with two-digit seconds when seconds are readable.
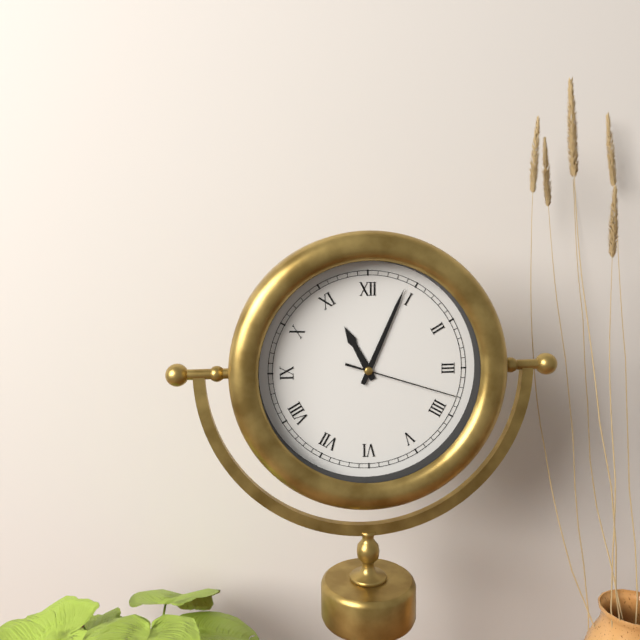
11,04,18
